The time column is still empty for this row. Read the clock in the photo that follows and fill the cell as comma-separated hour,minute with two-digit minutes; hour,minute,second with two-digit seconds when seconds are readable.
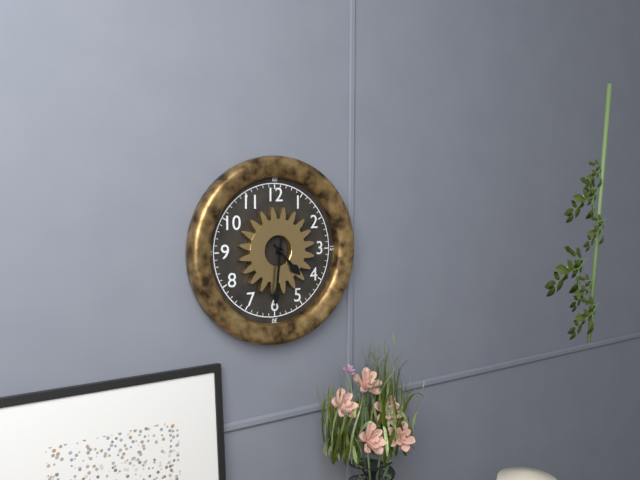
4,31
